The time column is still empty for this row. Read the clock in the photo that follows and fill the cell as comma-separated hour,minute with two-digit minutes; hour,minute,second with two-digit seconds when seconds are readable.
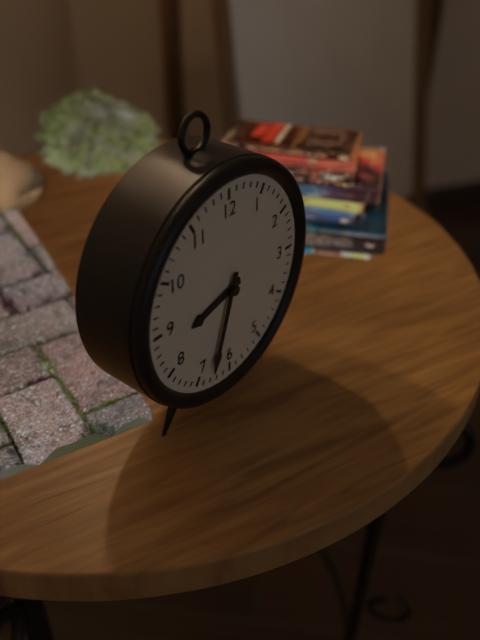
8,33
